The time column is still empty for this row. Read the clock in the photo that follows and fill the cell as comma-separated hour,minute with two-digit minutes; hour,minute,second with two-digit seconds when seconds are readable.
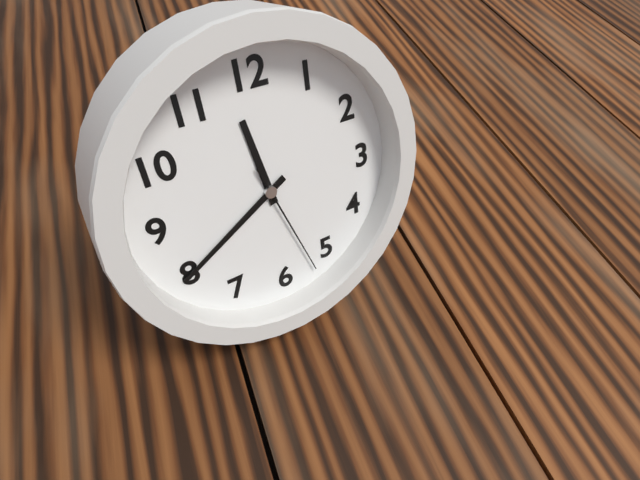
11,40,27
